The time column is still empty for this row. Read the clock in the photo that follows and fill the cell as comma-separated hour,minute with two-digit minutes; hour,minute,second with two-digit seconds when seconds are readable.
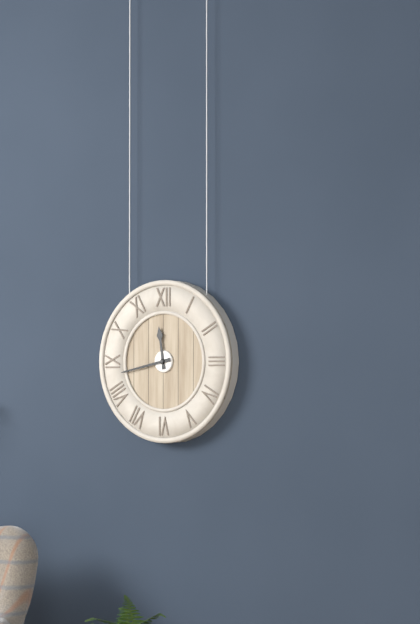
11,43
